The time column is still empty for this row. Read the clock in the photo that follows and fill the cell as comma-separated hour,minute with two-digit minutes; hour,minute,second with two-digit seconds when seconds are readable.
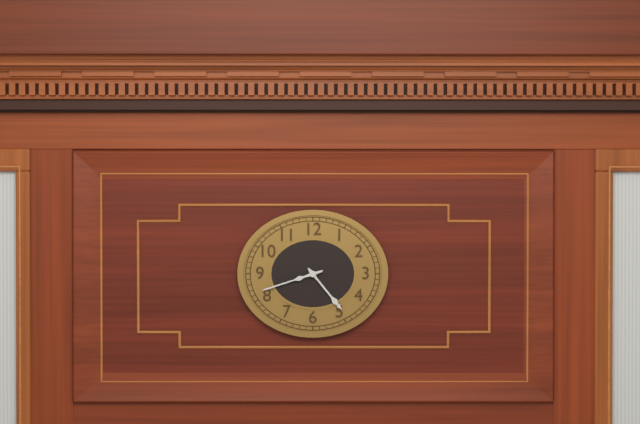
4,42
